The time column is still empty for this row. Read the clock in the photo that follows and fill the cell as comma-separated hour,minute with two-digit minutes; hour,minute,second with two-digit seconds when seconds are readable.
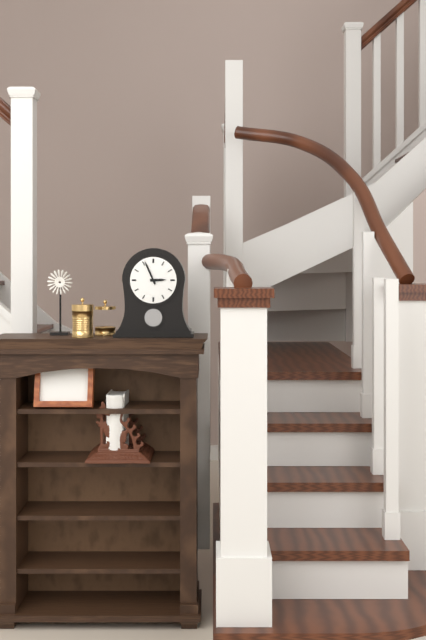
2,56
